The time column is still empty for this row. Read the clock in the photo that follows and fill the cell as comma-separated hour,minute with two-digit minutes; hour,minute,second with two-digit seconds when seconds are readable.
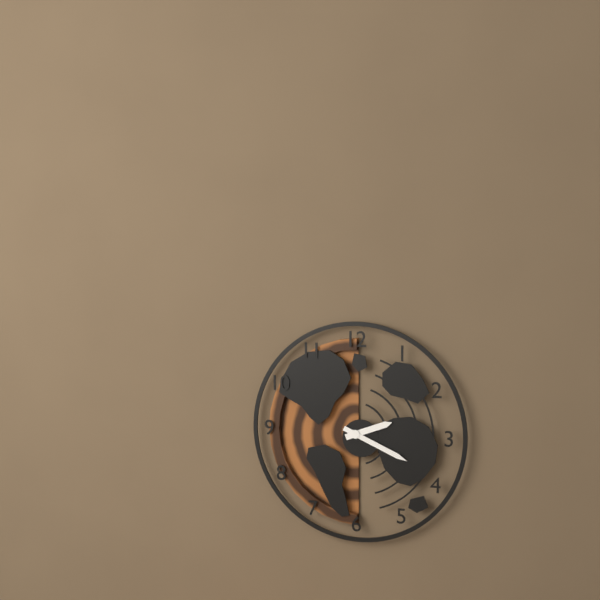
2,19
